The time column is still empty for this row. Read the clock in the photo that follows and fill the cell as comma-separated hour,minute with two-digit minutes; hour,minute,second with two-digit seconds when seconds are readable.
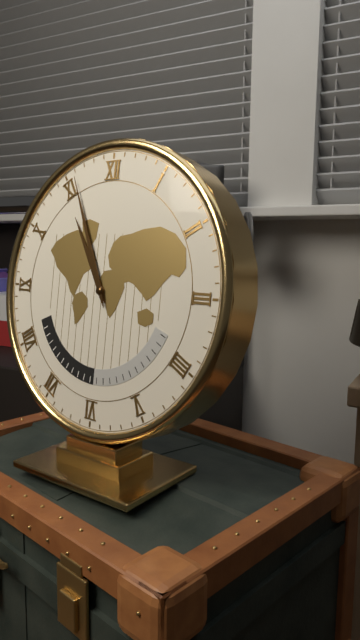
10,56
